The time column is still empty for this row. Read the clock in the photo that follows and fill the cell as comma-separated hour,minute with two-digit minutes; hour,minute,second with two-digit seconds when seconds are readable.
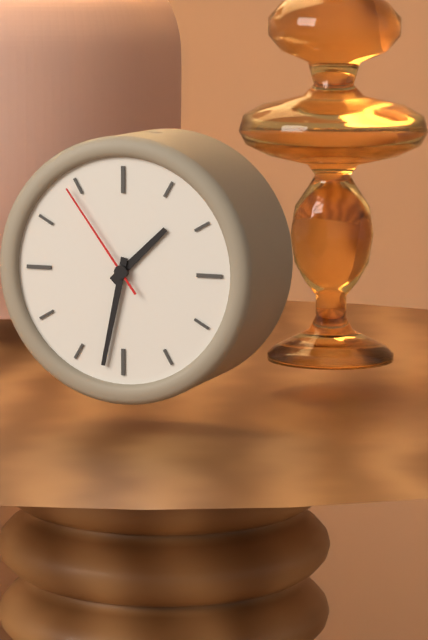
1,32,54
